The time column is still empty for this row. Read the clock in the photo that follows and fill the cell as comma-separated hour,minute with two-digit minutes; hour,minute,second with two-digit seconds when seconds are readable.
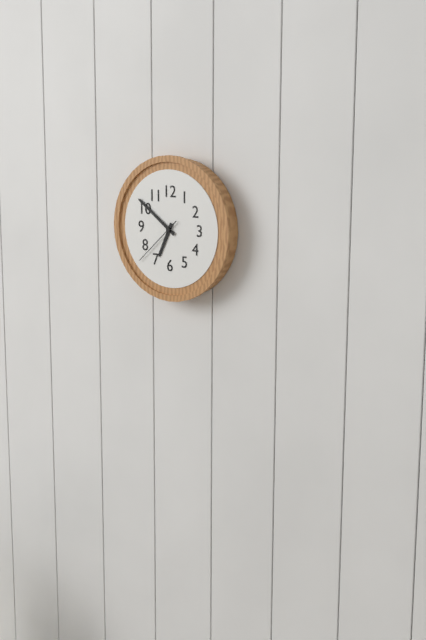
6,51,38
